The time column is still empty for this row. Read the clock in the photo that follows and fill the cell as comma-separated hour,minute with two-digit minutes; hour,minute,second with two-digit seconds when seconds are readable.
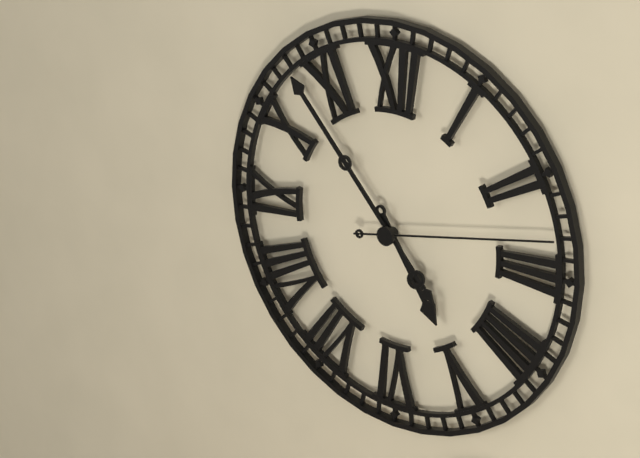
4,53,13
